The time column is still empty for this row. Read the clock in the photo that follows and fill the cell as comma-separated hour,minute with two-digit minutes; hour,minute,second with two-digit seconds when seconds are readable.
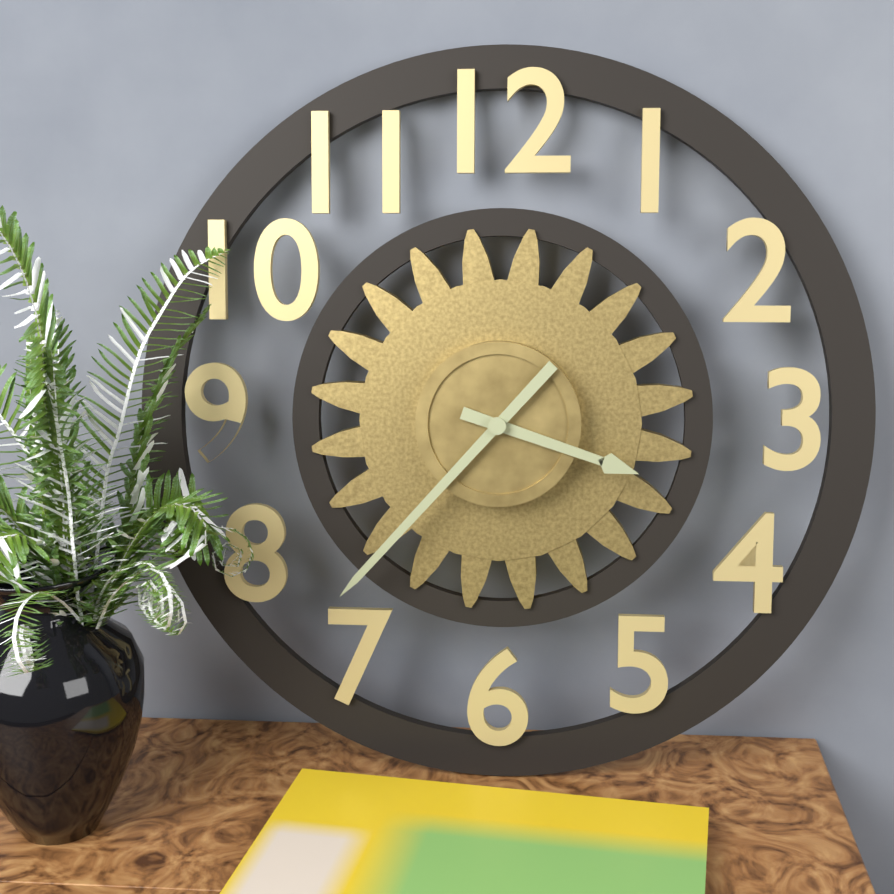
3,37
